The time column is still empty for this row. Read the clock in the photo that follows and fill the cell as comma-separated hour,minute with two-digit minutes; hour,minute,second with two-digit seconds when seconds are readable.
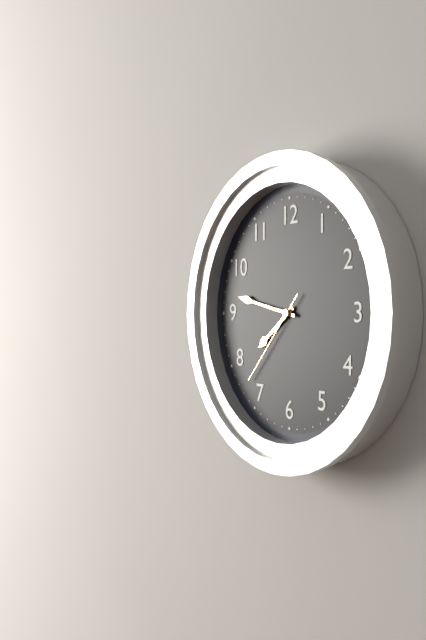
7,47,37
